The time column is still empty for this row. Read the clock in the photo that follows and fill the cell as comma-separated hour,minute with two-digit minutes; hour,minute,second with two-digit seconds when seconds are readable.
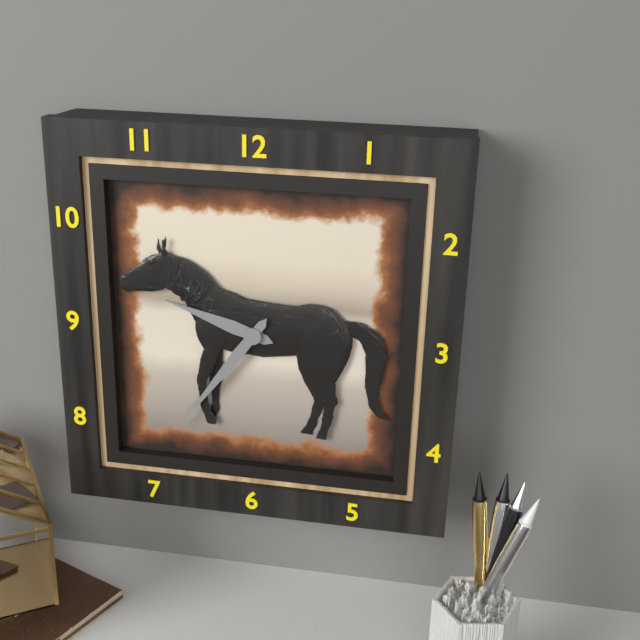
9,36
